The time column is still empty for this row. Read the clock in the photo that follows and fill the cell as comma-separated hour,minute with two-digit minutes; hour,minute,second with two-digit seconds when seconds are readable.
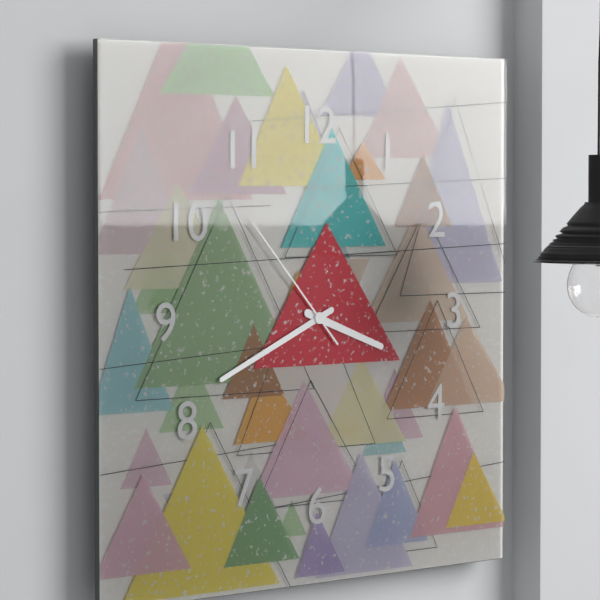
3,41,53
